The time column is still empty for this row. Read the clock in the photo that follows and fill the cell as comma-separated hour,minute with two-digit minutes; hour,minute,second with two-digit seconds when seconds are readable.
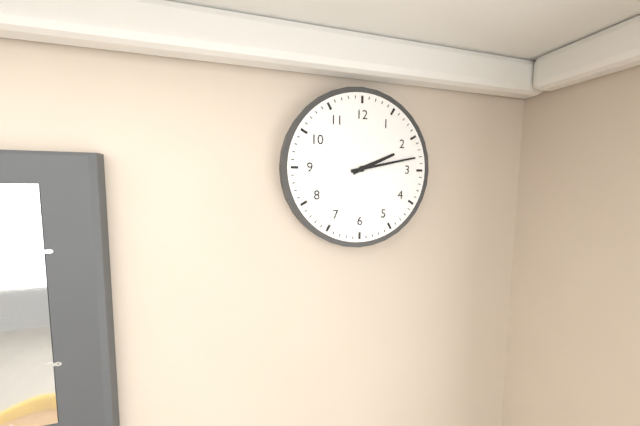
2,13
